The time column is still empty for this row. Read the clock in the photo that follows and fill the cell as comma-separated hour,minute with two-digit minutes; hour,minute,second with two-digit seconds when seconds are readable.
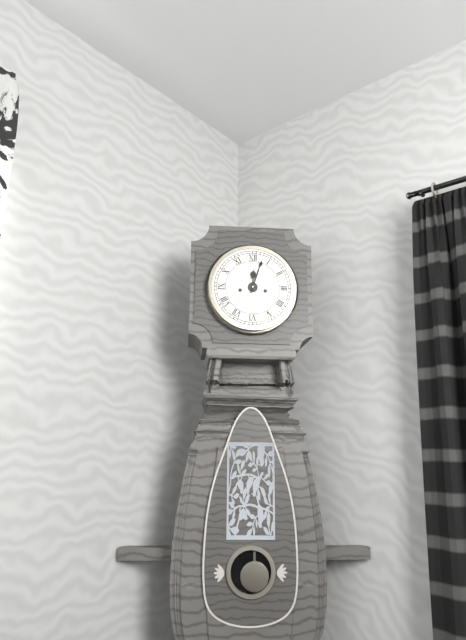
12,03
